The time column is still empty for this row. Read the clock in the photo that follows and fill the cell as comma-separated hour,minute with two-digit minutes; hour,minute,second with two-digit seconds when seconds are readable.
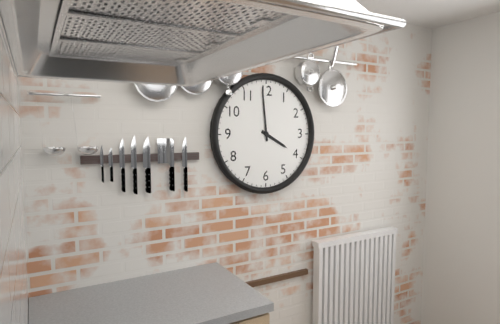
3,59
